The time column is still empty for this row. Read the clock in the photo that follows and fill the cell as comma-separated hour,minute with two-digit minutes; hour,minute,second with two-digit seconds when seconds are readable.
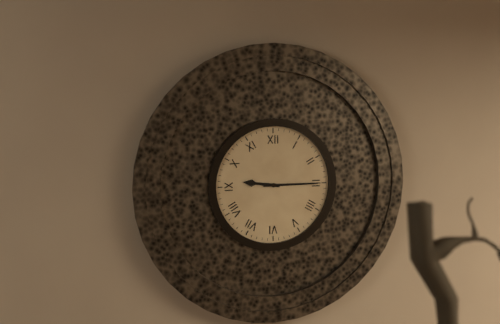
9,15
